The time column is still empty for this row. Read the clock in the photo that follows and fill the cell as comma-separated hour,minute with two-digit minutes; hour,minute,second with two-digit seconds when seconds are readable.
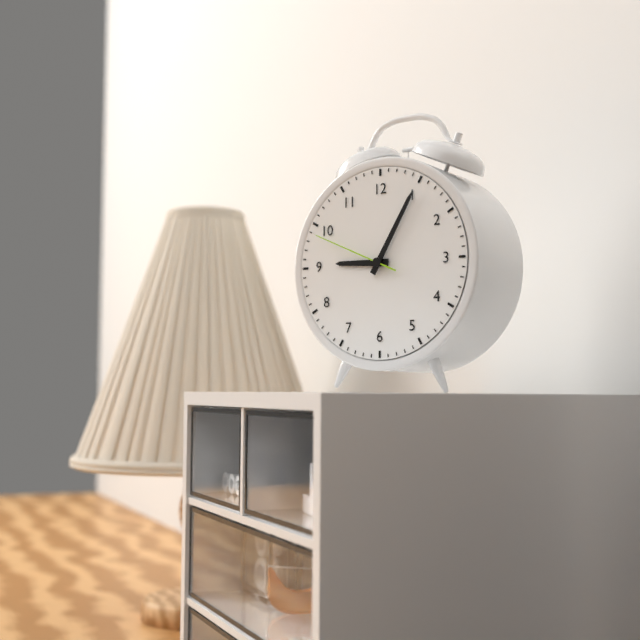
9,05,49
